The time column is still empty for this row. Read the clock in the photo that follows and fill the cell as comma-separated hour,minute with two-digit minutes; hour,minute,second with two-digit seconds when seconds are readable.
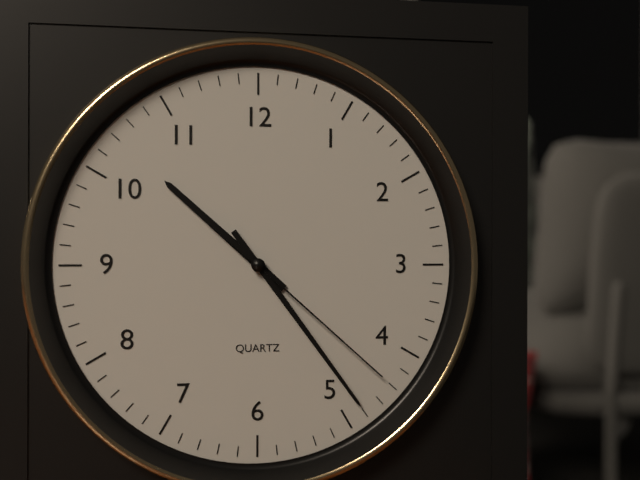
10,24,22
